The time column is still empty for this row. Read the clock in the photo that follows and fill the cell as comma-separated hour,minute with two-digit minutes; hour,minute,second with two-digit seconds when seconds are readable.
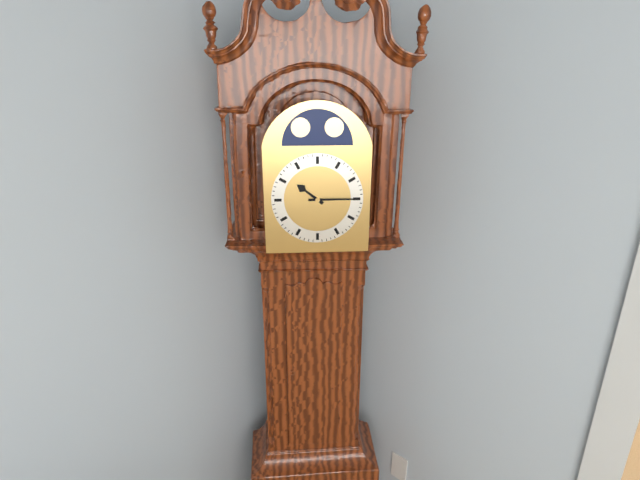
10,15
